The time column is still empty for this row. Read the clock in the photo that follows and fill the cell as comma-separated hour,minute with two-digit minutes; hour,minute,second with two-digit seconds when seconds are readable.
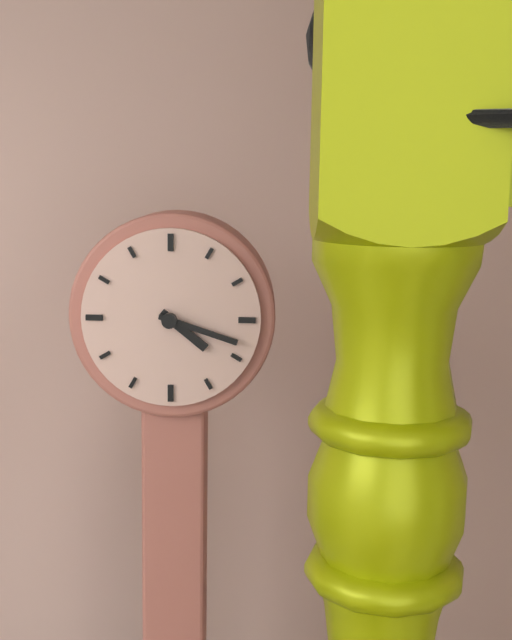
4,18
